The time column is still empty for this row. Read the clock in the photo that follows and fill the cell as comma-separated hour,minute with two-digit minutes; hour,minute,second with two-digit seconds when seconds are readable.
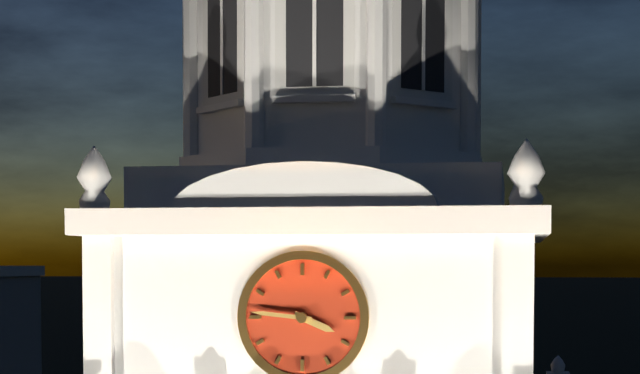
3,46
